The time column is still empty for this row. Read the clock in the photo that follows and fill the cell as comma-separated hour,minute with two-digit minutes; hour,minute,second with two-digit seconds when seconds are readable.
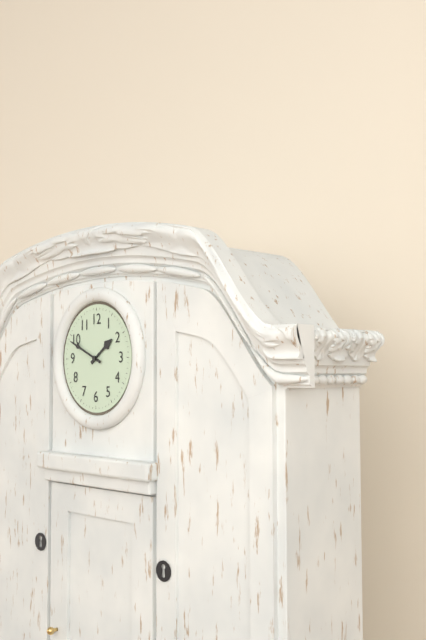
1,49
